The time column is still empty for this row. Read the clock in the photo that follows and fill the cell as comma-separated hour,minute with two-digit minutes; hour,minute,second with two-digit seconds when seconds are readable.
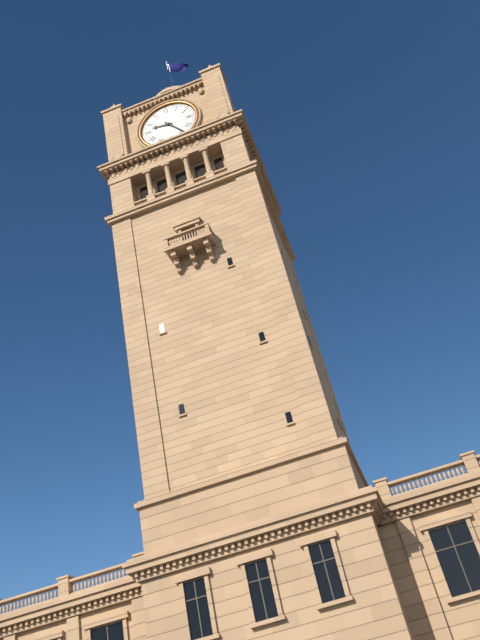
9,24
